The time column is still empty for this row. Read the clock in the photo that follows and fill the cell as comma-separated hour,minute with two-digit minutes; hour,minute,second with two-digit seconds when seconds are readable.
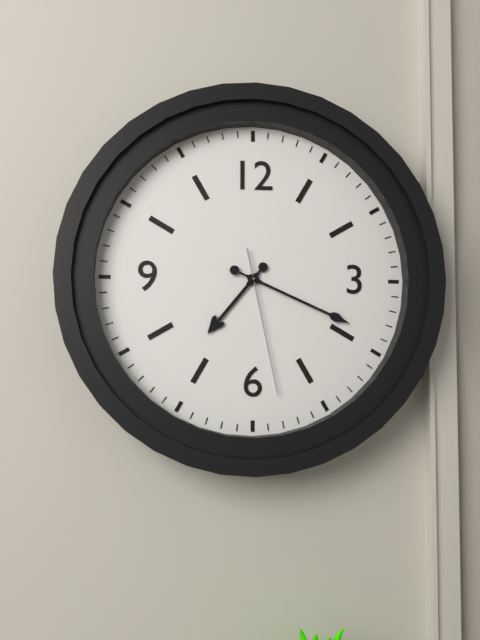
7,19,28
